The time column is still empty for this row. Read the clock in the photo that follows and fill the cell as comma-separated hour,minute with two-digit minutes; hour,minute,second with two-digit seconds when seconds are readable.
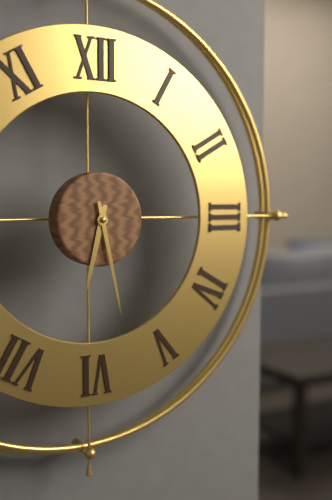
6,28
